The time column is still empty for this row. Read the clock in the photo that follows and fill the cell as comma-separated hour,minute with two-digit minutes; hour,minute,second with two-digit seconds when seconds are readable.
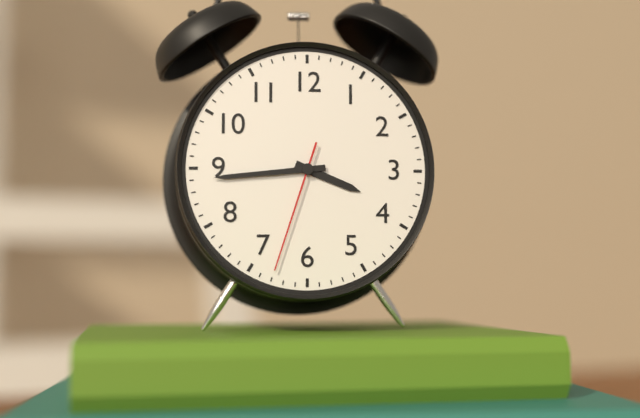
3,44,33
